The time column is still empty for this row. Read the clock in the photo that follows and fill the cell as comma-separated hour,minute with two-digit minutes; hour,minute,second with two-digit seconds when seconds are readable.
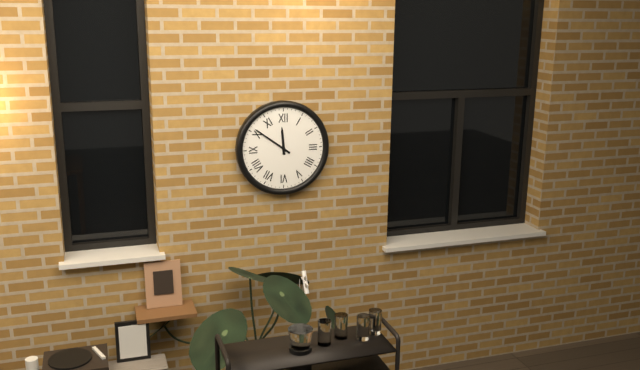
11,51
